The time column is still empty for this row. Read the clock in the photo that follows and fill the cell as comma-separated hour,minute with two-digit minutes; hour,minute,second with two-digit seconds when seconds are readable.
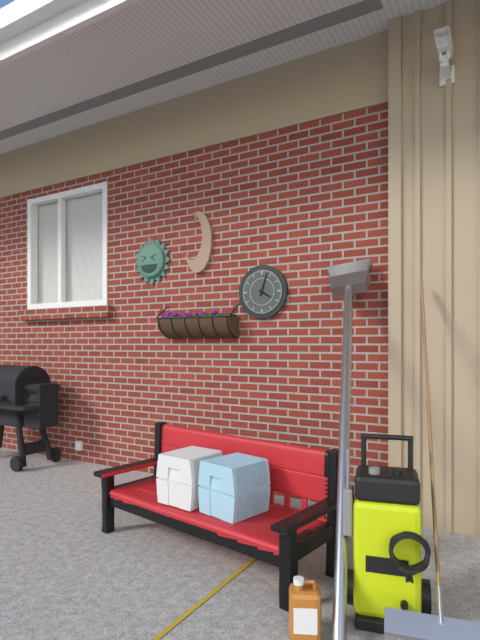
4,03
